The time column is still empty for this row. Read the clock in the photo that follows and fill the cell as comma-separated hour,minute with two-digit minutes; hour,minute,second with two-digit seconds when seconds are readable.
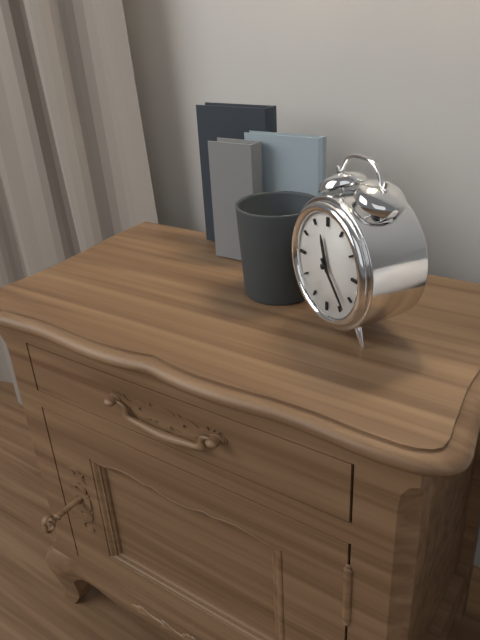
11,23
